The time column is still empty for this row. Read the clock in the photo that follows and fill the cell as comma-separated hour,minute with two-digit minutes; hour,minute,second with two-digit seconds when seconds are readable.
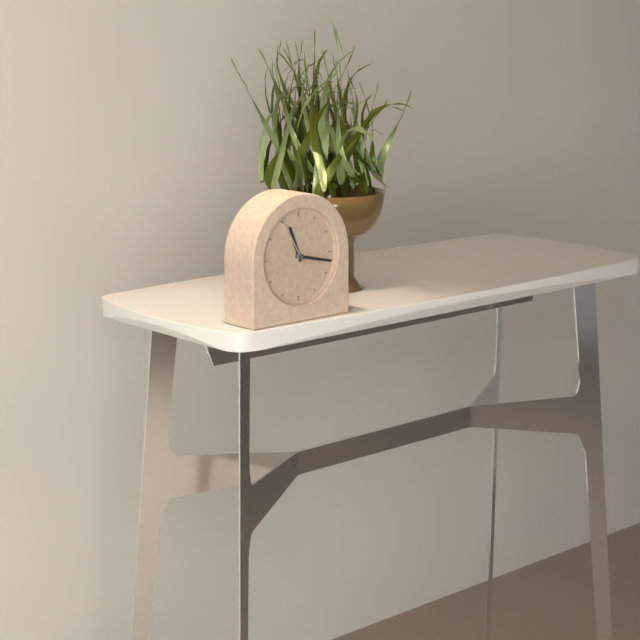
11,17,55
